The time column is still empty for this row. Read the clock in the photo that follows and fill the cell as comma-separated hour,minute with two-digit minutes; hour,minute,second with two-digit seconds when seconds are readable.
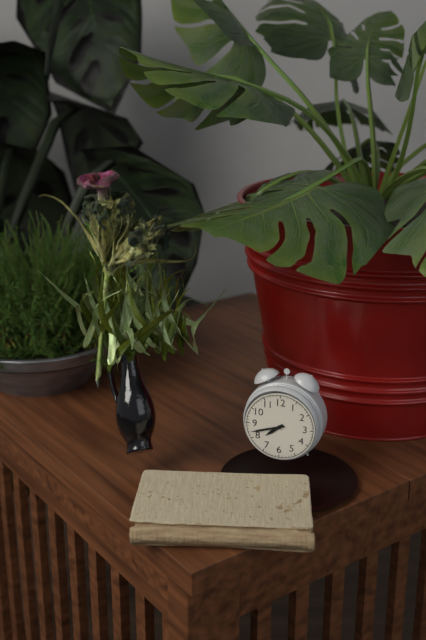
7,42
